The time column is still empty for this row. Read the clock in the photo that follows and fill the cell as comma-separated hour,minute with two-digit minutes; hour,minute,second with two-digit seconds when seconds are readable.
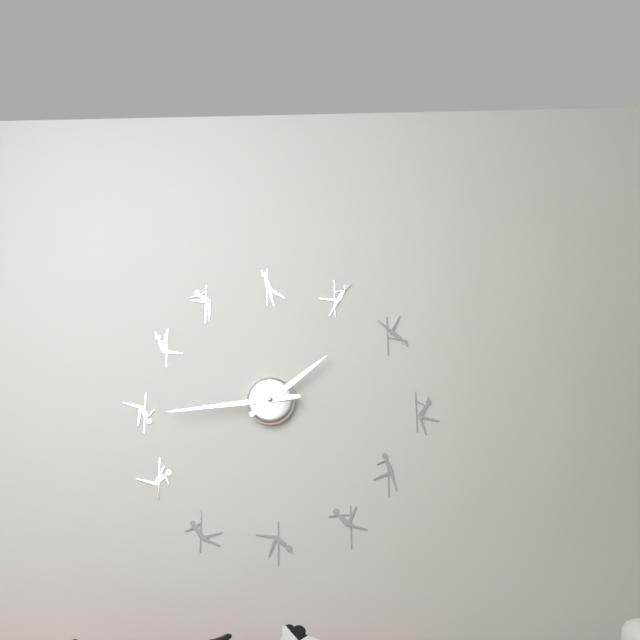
1,44
